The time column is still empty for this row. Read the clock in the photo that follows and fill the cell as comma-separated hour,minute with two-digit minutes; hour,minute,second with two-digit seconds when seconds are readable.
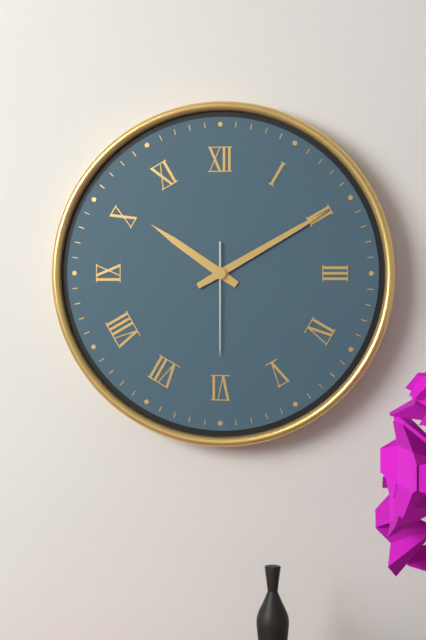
10,10,30
